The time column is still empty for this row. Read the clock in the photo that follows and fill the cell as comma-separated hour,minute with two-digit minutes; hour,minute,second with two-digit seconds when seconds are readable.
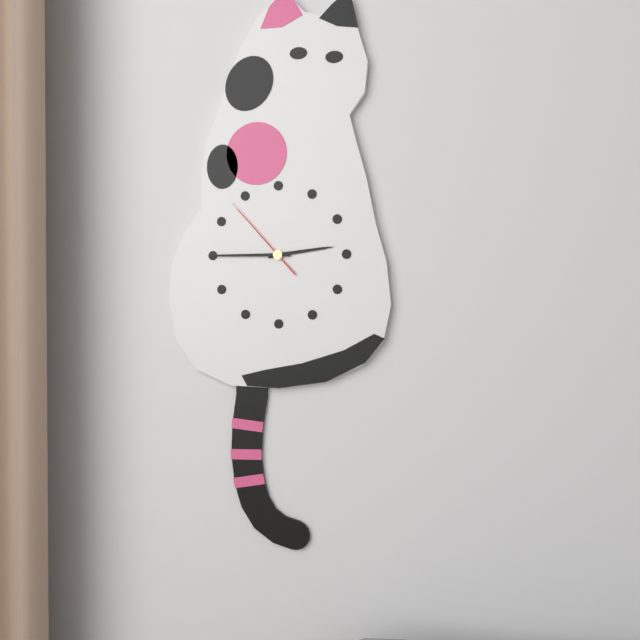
2,45,53
